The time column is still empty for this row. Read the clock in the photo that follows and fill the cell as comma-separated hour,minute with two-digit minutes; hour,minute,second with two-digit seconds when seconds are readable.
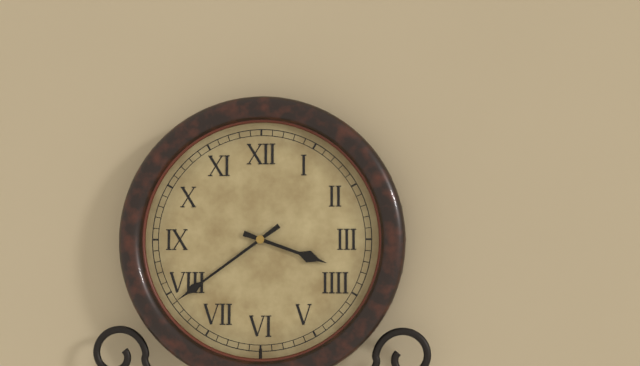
3,39
